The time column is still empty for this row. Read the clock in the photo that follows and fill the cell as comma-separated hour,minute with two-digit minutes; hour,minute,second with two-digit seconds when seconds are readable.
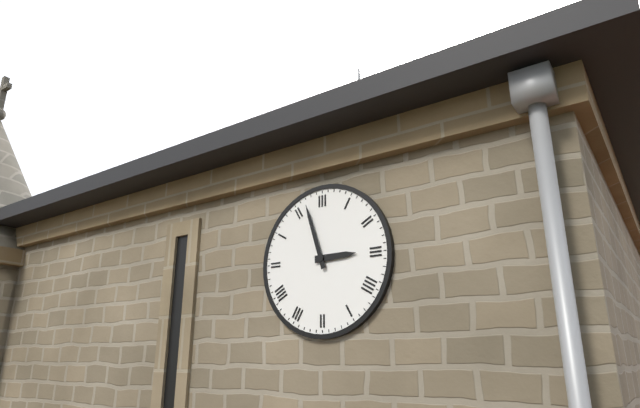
2,57
